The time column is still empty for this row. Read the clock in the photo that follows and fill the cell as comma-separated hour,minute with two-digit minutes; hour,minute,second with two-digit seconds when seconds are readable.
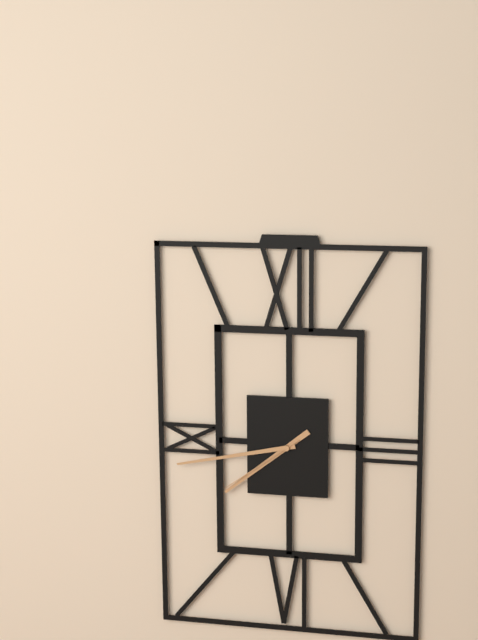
7,43,39
